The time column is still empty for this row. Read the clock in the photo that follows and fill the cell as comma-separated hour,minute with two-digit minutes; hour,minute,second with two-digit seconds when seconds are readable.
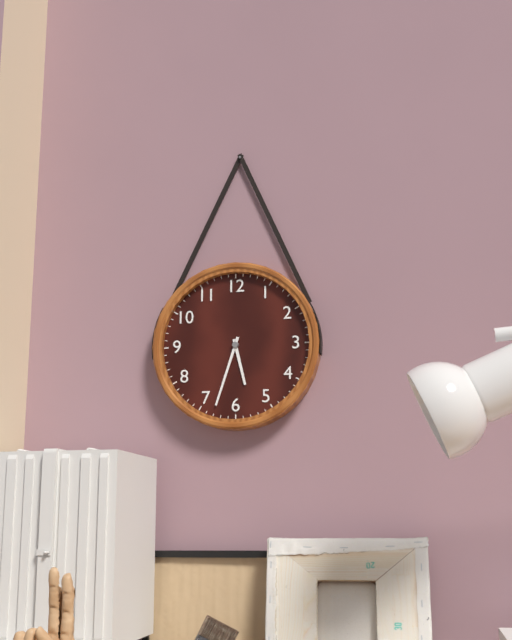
5,33
